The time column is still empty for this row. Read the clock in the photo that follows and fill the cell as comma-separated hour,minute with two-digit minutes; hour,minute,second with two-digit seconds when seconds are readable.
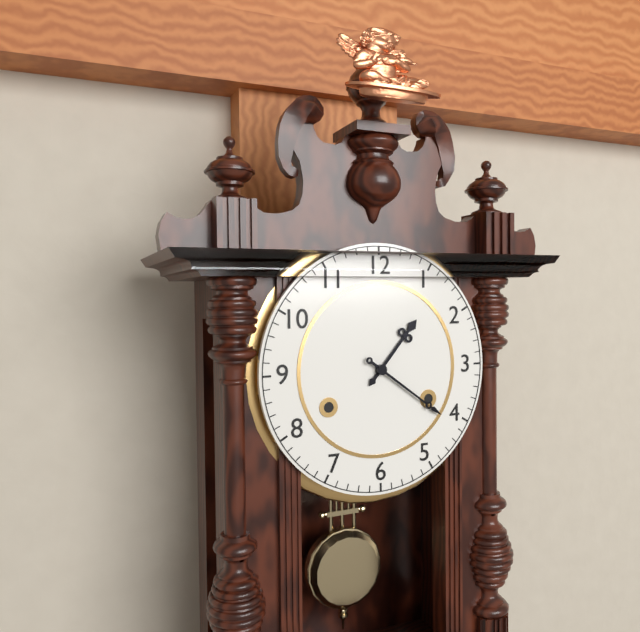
1,21
